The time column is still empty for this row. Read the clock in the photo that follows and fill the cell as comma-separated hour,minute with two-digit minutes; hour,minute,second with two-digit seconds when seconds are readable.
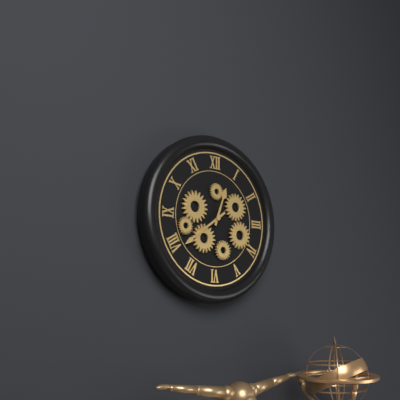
12,39
